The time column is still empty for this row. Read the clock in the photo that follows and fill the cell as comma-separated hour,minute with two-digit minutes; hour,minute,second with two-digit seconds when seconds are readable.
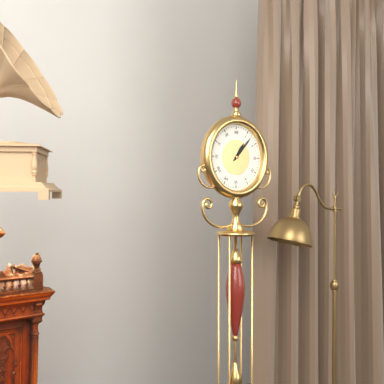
1,07
